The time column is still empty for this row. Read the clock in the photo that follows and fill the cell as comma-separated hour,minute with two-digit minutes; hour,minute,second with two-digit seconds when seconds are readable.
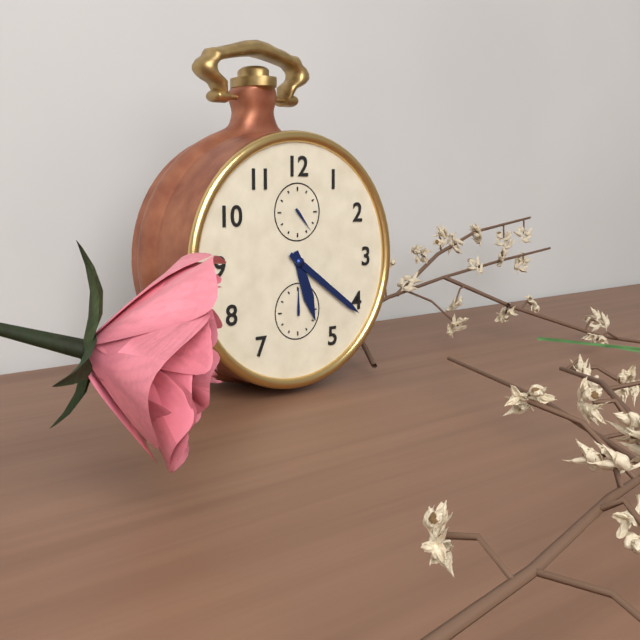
5,21
